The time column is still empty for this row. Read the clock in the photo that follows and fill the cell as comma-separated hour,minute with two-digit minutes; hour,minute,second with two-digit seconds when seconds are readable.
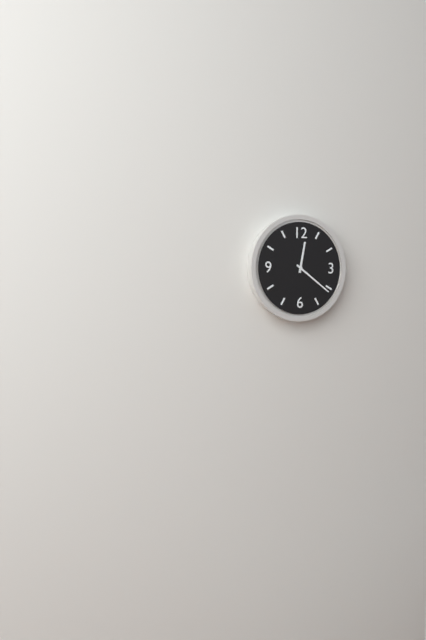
12,21
